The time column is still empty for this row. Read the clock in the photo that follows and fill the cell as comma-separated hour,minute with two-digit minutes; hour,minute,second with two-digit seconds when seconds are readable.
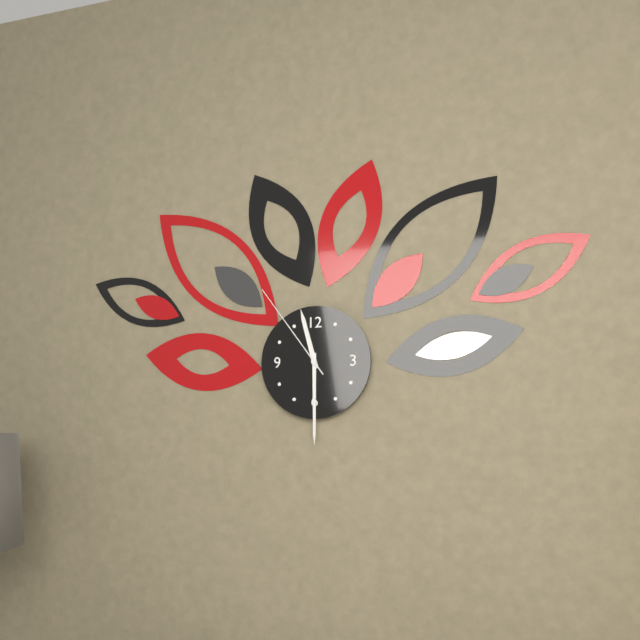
11,30,54
